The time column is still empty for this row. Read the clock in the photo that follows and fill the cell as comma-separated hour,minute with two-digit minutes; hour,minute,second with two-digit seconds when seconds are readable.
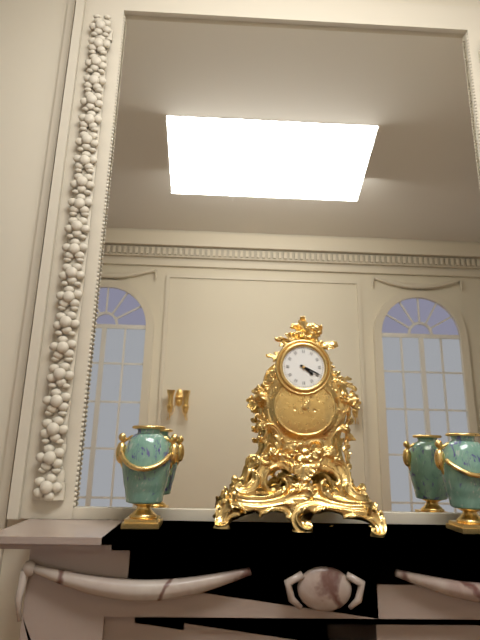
4,19
